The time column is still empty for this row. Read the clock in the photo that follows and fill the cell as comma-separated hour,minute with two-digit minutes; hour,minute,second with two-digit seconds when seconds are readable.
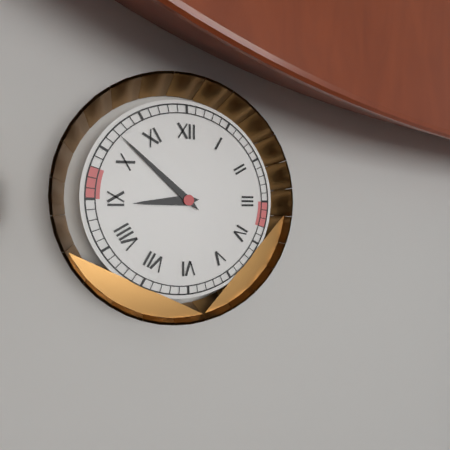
8,52
